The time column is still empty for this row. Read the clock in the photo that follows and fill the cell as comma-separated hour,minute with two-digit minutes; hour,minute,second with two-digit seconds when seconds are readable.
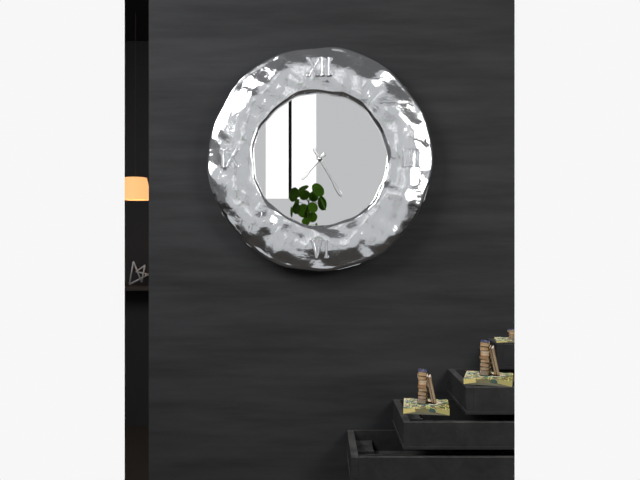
7,25
